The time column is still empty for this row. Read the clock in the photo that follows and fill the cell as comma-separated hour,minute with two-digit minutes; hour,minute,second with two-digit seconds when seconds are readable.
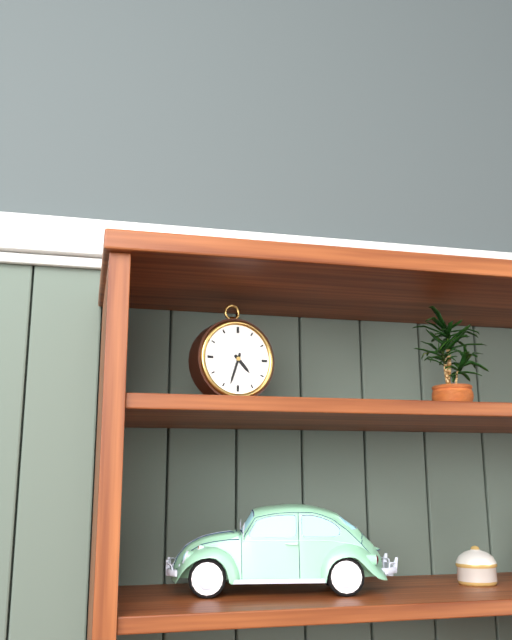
4,33
